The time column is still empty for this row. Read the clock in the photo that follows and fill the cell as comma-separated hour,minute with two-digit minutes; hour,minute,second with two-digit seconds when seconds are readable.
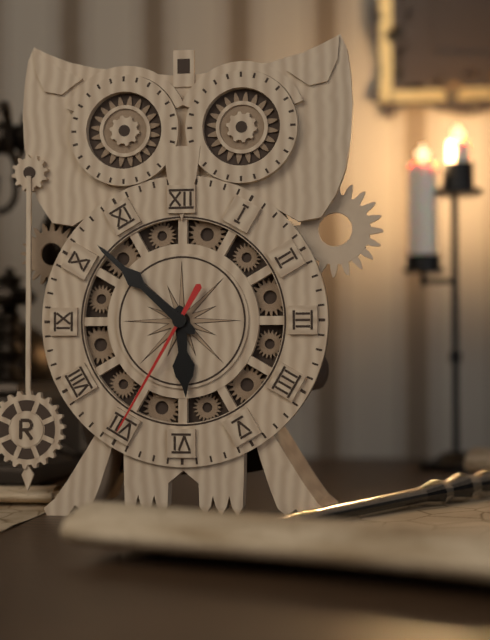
5,52,35
